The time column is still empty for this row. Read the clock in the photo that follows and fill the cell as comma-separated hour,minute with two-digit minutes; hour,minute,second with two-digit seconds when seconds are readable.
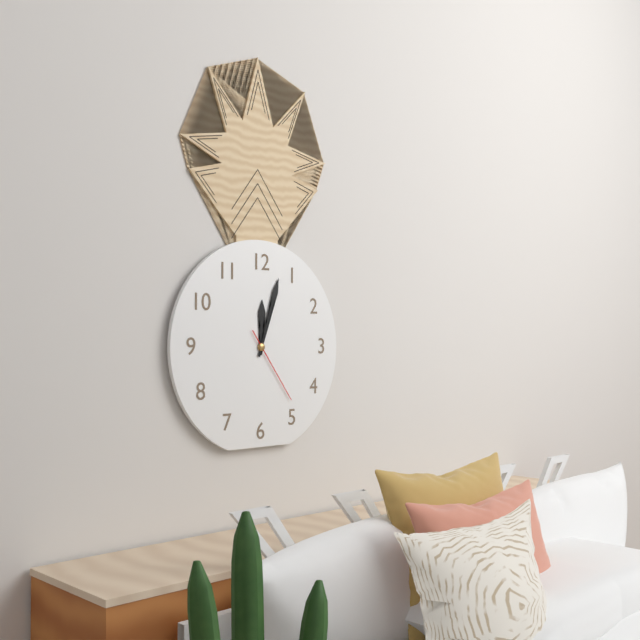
12,03,24
